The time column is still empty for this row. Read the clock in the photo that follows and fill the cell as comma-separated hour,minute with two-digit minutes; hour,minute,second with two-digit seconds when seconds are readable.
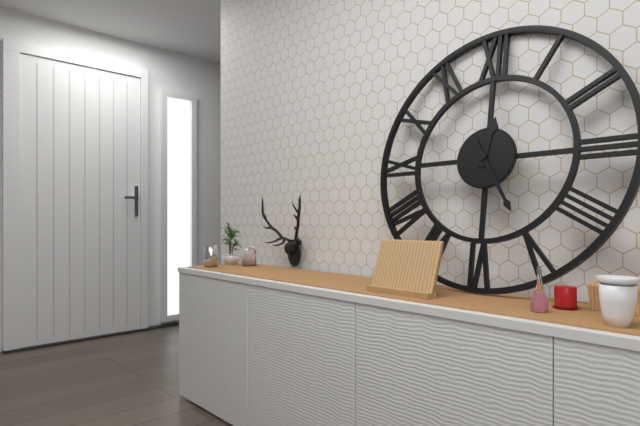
12,25
